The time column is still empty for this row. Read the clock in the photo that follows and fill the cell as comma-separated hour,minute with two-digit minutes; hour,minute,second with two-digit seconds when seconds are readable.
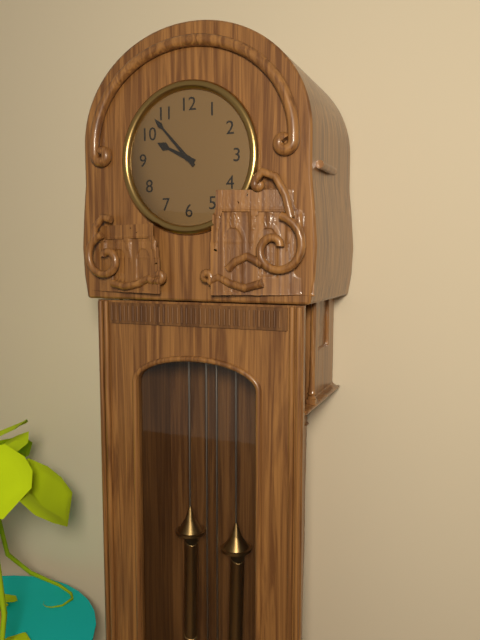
9,53
